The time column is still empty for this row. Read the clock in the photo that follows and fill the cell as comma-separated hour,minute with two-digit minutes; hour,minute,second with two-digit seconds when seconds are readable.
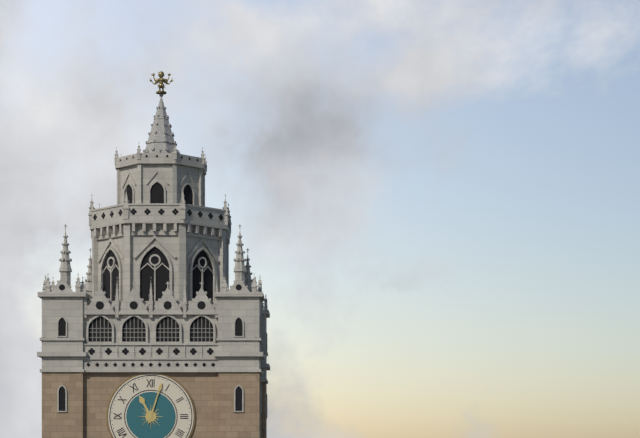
11,03
